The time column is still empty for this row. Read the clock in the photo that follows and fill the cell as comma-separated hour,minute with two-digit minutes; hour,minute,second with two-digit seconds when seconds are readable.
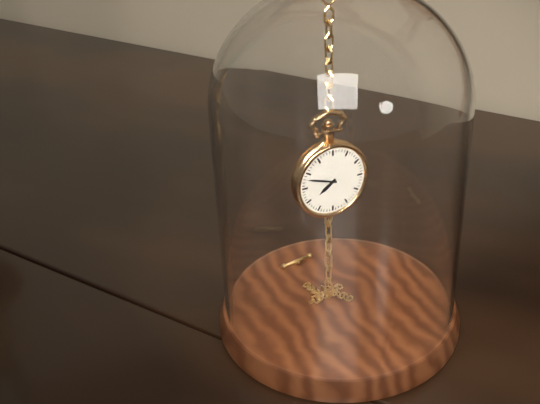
7,48
